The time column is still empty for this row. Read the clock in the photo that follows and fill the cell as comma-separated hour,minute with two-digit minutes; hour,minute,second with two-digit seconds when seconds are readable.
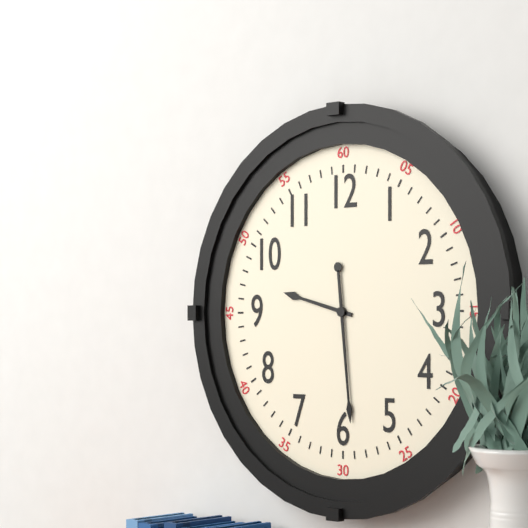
9,29
